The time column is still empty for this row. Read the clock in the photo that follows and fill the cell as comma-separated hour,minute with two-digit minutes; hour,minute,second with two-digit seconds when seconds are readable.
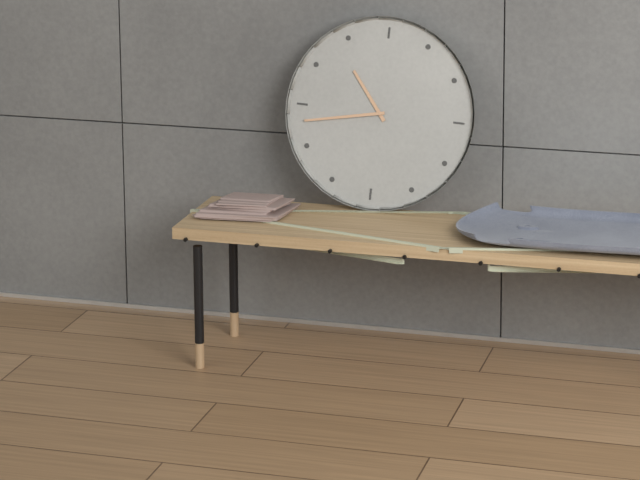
10,43
